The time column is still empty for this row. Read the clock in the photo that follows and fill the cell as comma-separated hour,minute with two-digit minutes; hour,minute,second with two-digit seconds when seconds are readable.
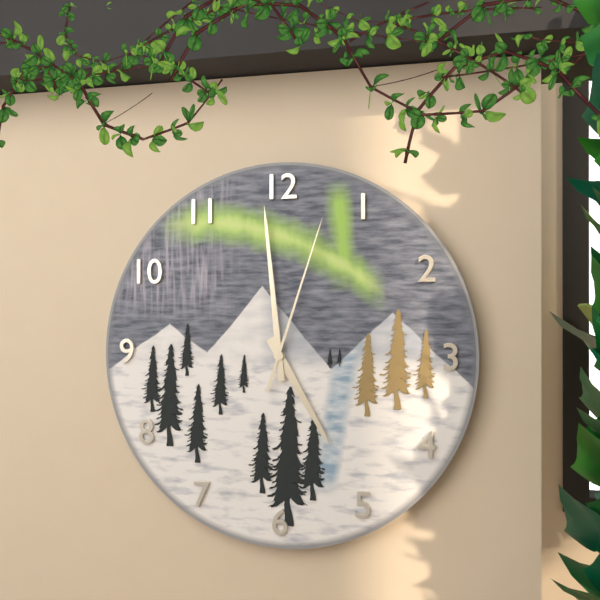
4,59,03
